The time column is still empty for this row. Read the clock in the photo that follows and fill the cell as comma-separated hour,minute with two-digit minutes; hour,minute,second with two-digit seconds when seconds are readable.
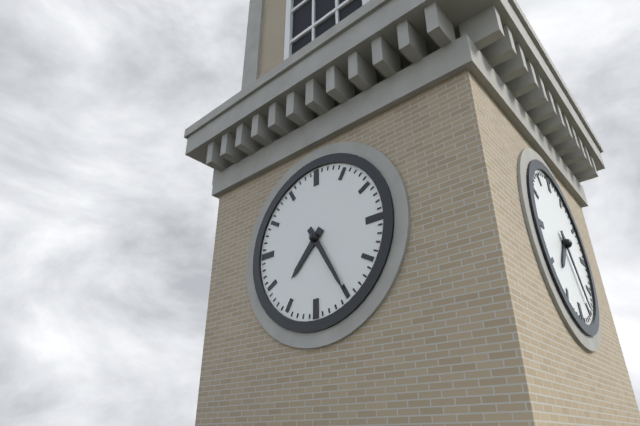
7,25
